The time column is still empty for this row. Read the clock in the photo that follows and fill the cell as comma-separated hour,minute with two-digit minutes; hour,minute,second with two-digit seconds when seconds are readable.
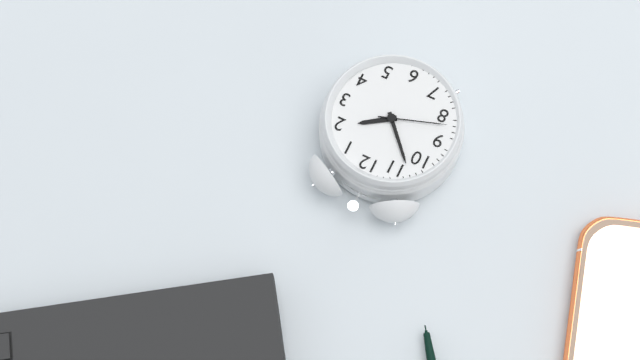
1,53,42
